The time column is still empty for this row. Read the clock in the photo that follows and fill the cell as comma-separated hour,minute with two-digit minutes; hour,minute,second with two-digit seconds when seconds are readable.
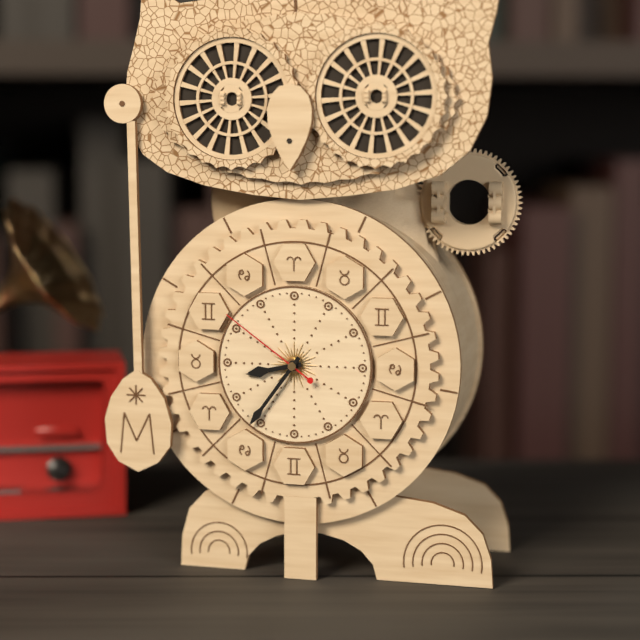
8,36,51
